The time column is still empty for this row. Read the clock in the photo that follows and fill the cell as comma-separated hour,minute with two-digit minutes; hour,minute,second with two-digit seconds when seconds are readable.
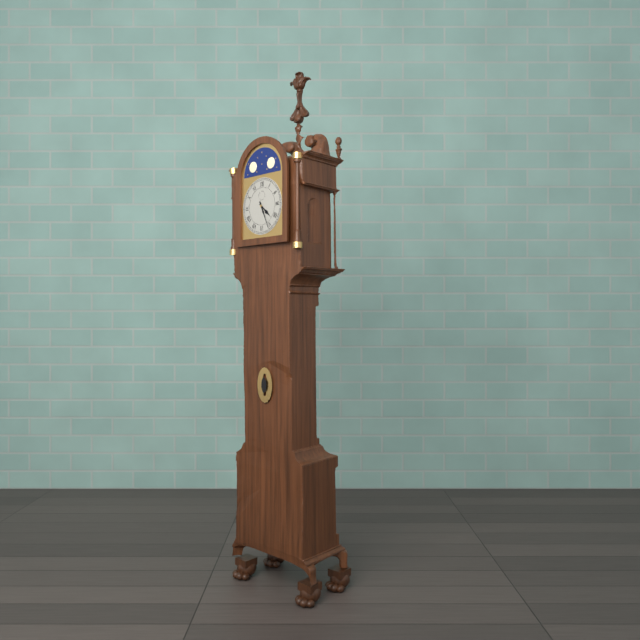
4,26
